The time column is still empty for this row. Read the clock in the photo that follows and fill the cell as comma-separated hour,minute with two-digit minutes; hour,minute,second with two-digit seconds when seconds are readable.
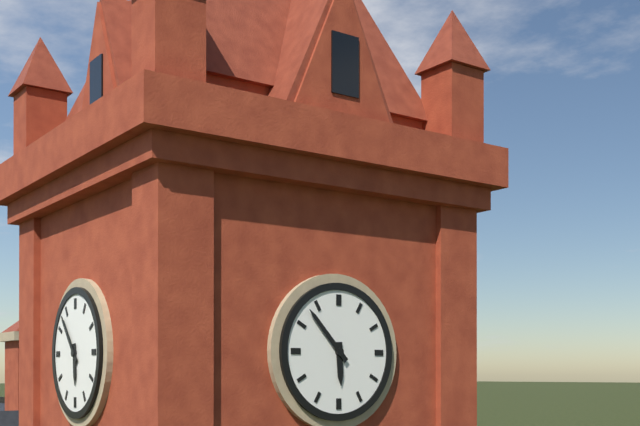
5,53
